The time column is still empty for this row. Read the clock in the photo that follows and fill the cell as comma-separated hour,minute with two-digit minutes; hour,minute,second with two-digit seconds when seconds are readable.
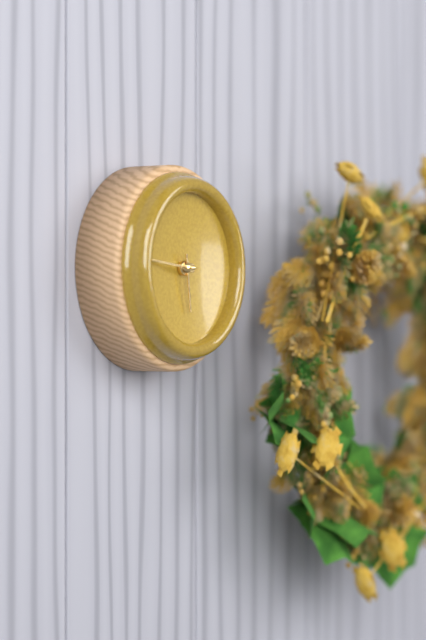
5,46
